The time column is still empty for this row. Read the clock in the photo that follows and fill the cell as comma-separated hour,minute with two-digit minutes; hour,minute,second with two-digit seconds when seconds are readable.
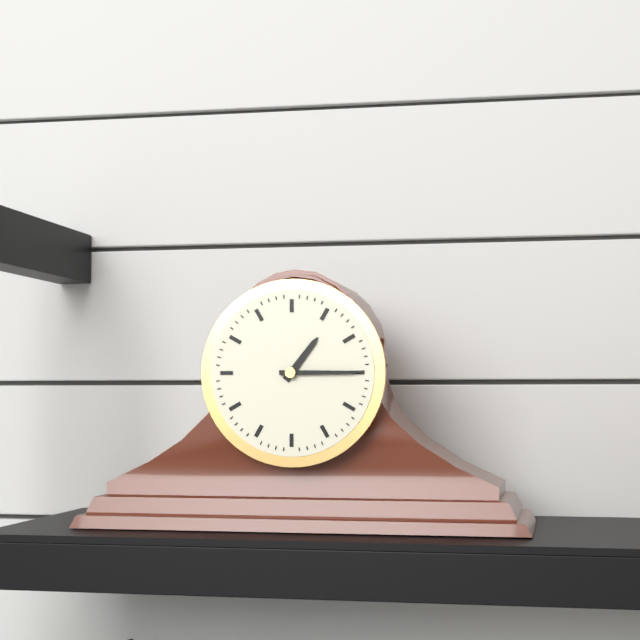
1,15
